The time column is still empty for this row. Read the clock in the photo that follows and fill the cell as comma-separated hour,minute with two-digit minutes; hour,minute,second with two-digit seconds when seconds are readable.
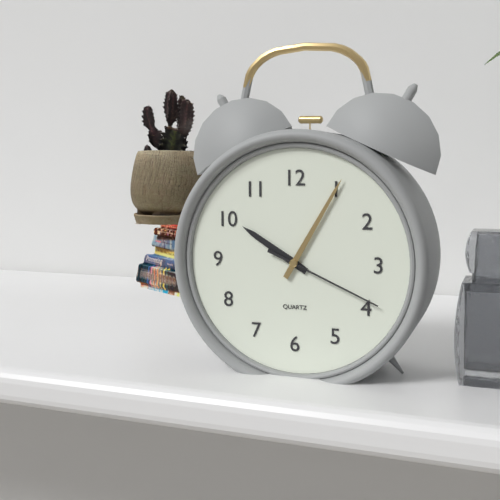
10,05,19
